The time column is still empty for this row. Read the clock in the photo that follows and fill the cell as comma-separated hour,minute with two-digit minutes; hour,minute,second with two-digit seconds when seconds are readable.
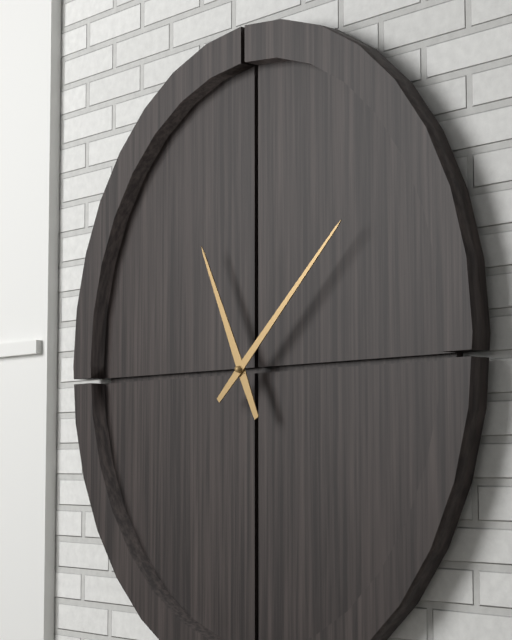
11,08
